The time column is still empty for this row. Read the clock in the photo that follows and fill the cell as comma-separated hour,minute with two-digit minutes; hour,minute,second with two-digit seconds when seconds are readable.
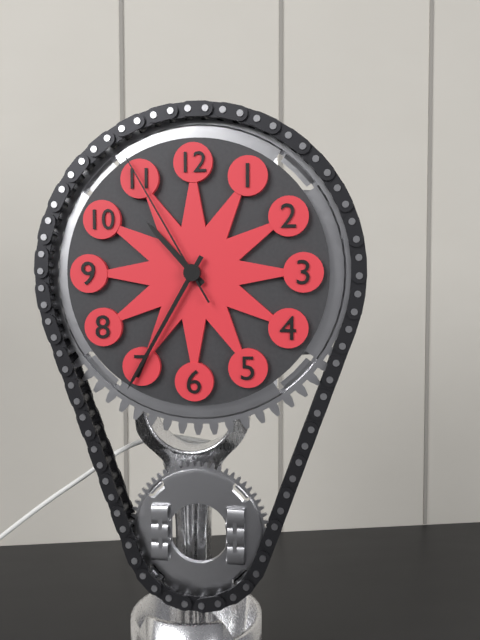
10,35,55
